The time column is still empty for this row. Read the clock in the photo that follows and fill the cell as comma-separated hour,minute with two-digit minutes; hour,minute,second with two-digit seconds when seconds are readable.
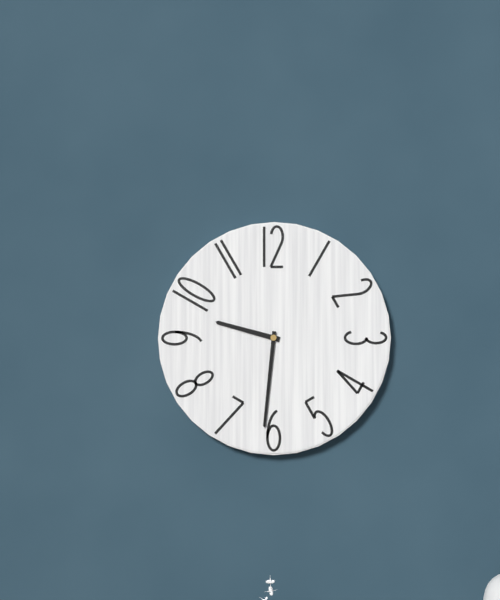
9,31
